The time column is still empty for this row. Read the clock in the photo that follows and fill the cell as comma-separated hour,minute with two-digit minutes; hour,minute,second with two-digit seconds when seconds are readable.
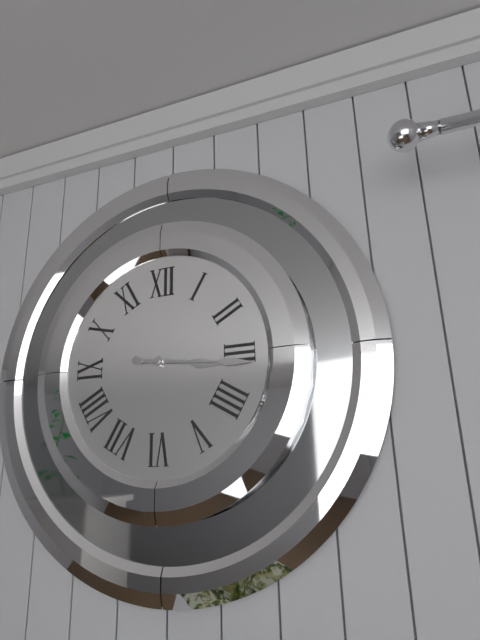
3,16
